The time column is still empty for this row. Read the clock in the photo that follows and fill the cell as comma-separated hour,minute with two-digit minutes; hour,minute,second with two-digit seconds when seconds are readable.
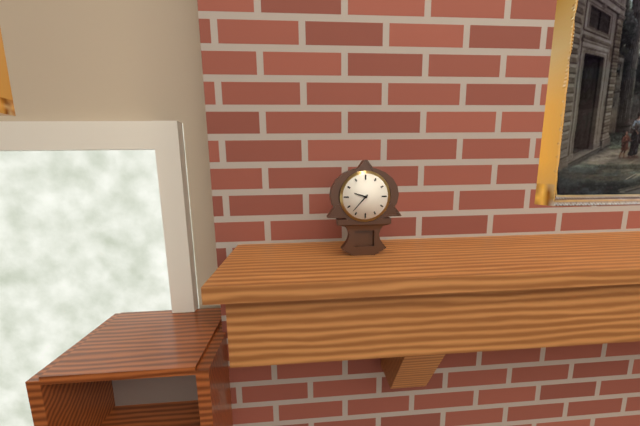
9,37
